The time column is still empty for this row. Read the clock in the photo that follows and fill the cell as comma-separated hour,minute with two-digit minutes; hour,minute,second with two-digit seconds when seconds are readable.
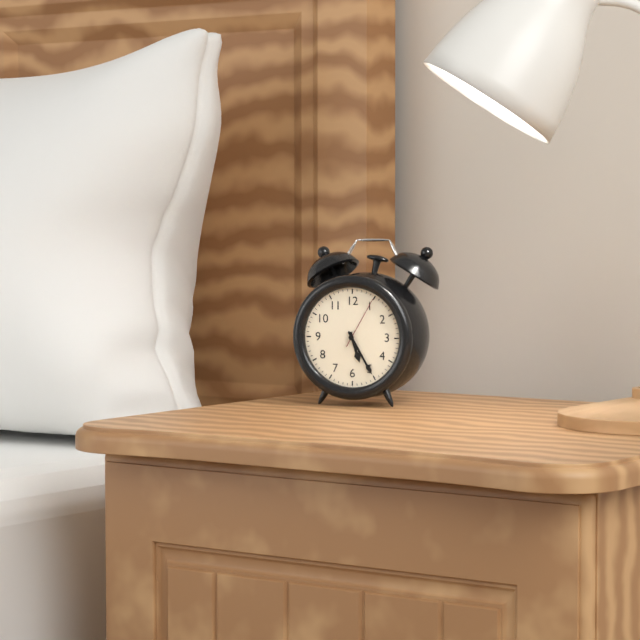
5,25,05
